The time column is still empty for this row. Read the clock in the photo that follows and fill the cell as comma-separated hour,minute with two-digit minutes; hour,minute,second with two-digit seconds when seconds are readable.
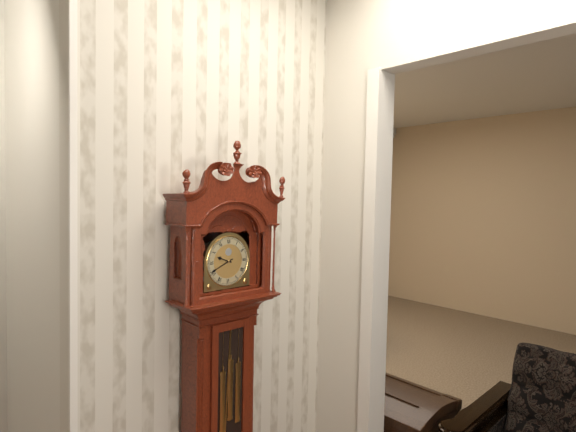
9,41
